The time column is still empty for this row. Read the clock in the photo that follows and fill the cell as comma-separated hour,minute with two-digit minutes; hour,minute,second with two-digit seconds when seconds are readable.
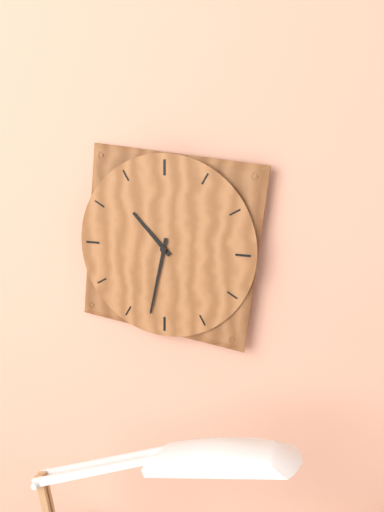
10,32
